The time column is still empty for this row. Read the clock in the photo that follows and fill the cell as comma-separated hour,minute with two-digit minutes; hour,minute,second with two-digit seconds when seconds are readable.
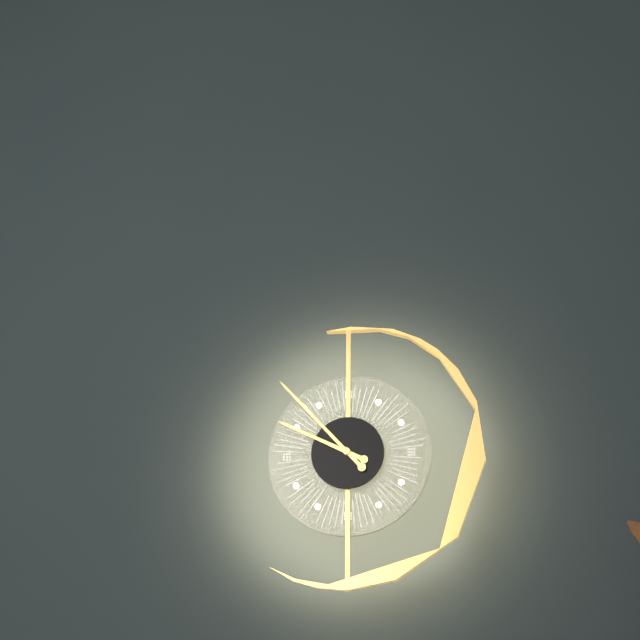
9,53
